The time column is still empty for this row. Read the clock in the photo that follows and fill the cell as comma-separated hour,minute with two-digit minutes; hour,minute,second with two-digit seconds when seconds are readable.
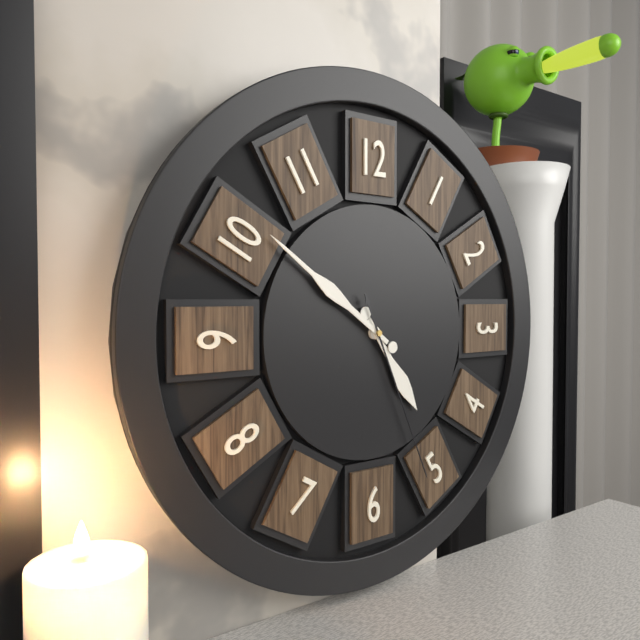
4,51,26
